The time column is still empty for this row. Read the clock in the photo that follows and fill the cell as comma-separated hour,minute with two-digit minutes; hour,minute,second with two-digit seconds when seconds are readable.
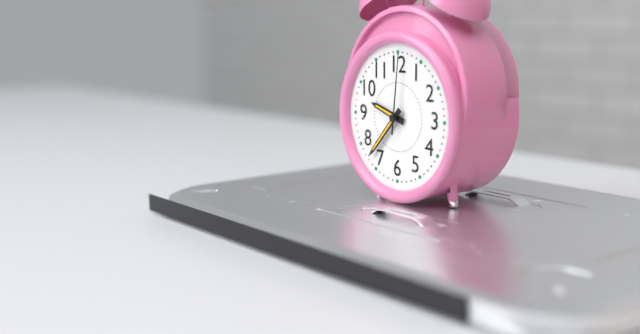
9,37,01
